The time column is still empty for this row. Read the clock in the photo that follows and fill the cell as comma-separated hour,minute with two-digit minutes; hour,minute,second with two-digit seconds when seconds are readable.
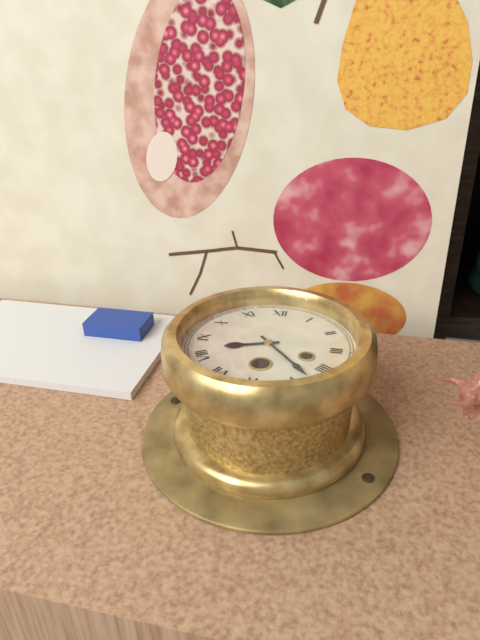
8,23
